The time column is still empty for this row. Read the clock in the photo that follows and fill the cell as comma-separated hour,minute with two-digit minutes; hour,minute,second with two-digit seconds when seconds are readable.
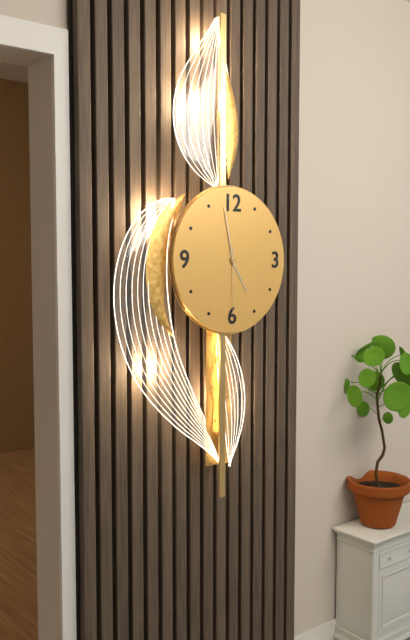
4,58,30
